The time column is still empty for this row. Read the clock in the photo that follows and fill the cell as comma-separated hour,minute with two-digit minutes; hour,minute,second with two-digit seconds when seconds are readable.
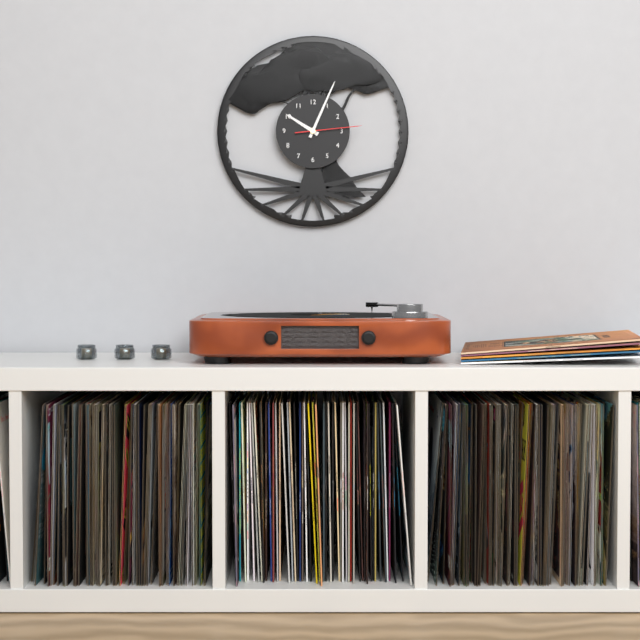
10,04,14
